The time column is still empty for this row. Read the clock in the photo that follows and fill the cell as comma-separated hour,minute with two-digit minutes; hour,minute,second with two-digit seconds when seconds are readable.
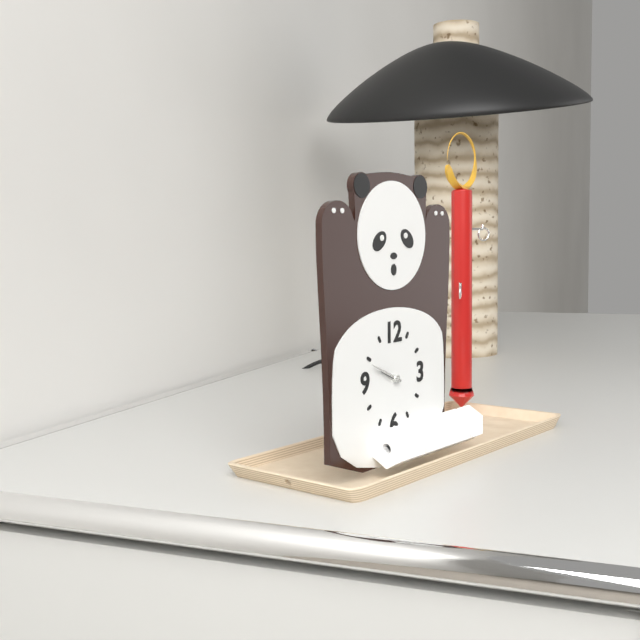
9,49
